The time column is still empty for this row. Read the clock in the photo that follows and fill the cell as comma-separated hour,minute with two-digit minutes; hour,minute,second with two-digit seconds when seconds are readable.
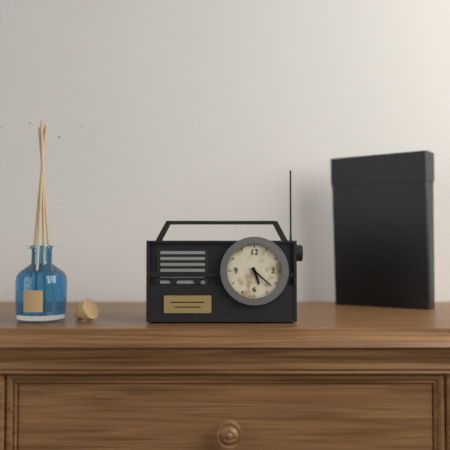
5,22
